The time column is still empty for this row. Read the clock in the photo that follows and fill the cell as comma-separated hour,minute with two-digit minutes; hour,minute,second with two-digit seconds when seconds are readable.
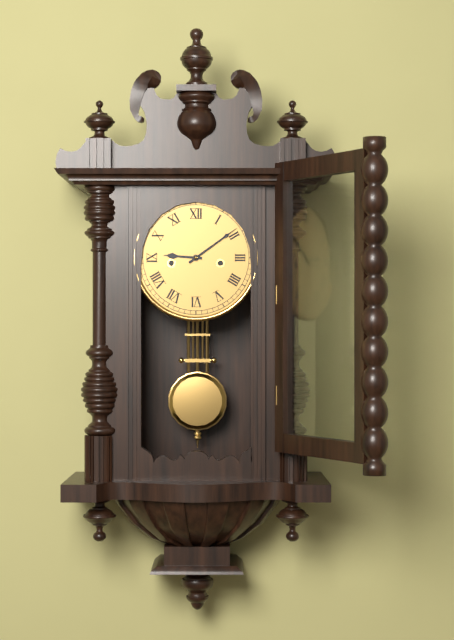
9,09
